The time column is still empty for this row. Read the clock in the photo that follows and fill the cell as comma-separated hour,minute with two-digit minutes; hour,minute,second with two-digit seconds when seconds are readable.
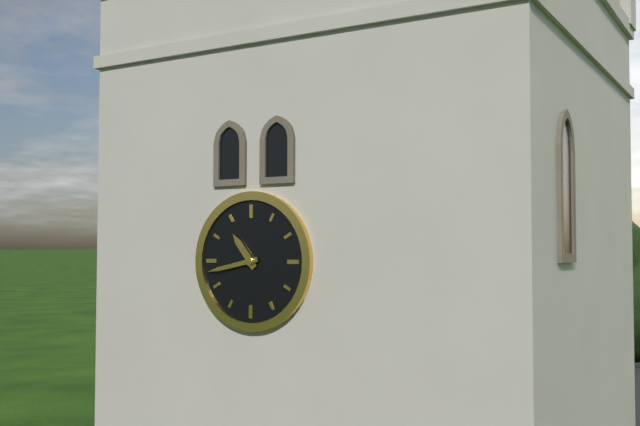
10,43
